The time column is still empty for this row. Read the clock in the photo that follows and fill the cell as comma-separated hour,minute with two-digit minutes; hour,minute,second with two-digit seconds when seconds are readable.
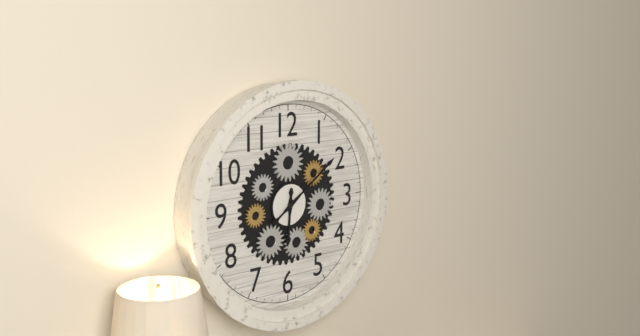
6,09
